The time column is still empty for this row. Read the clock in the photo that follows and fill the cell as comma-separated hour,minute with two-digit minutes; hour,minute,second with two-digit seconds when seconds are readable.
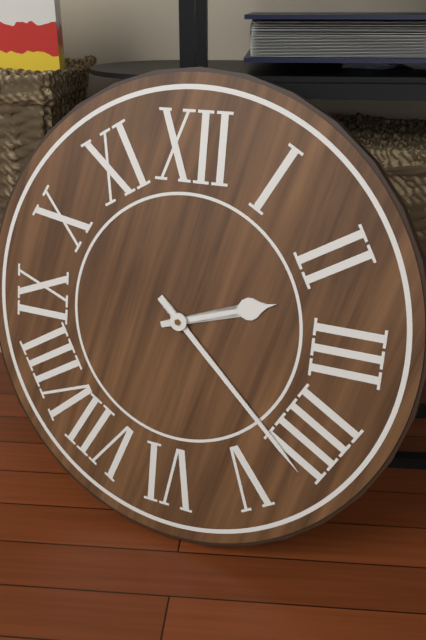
2,22
